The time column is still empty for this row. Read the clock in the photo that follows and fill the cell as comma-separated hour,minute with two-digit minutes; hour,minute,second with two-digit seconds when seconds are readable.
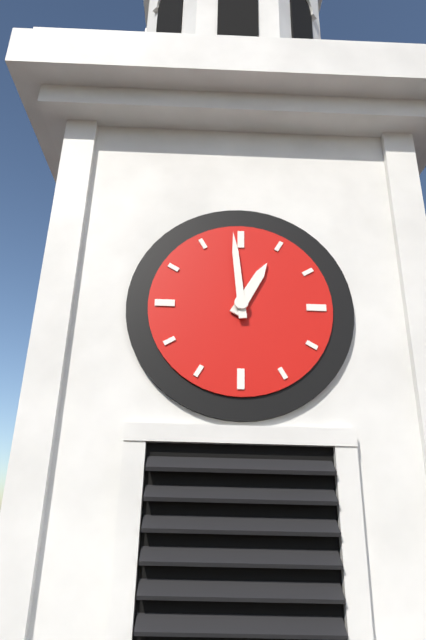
12,59
